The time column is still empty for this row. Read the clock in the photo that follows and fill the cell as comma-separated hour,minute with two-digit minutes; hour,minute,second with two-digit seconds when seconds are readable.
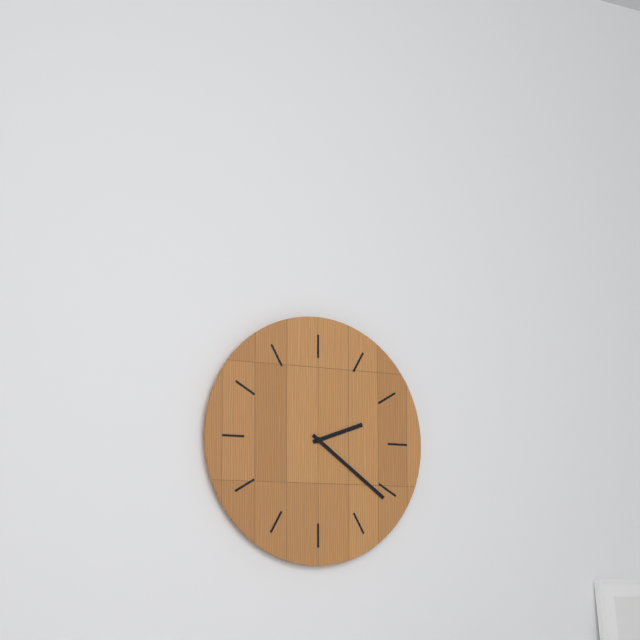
2,21
